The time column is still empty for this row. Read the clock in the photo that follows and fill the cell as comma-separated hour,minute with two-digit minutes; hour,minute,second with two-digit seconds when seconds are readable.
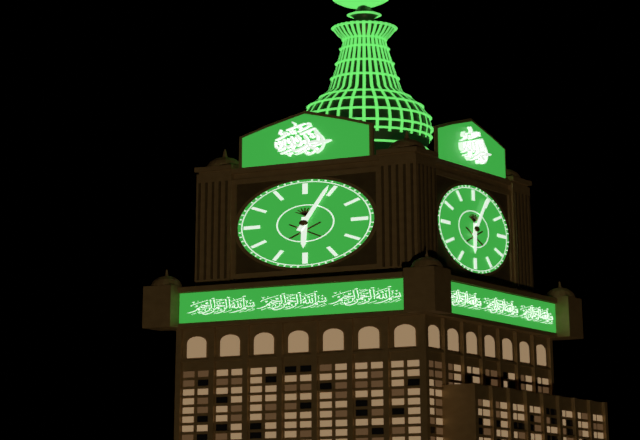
6,04
